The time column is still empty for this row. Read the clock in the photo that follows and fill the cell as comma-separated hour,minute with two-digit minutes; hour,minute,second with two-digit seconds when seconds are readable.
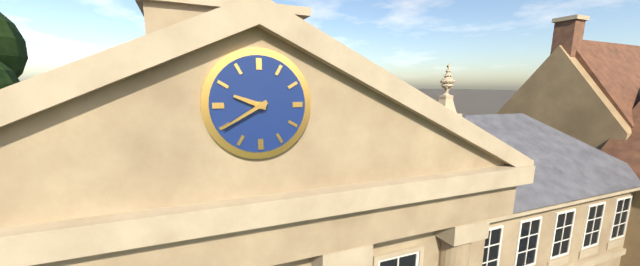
9,40
